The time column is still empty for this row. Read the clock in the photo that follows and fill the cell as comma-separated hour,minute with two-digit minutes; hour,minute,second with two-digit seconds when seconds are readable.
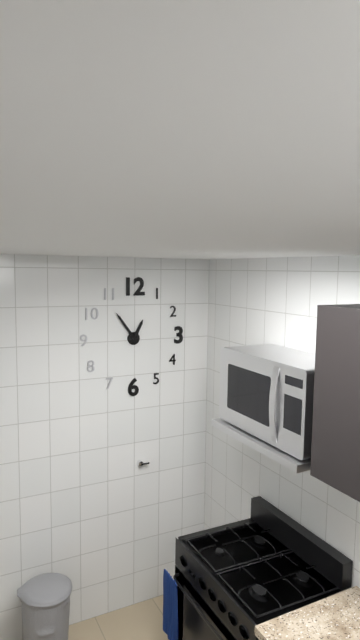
12,54
